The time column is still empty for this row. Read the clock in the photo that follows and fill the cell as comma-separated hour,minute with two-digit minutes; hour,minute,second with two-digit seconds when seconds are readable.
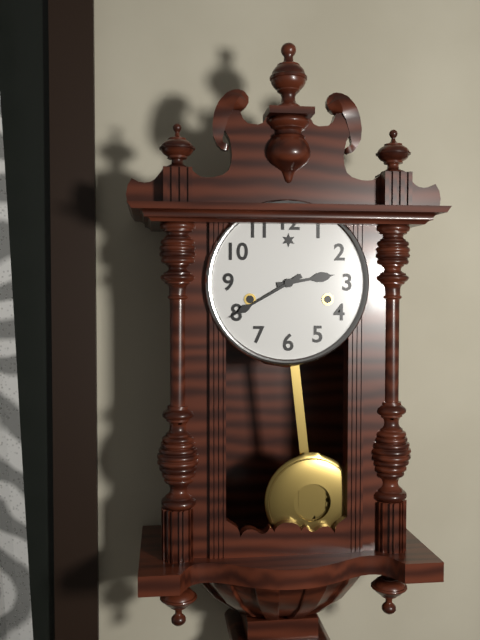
2,40
